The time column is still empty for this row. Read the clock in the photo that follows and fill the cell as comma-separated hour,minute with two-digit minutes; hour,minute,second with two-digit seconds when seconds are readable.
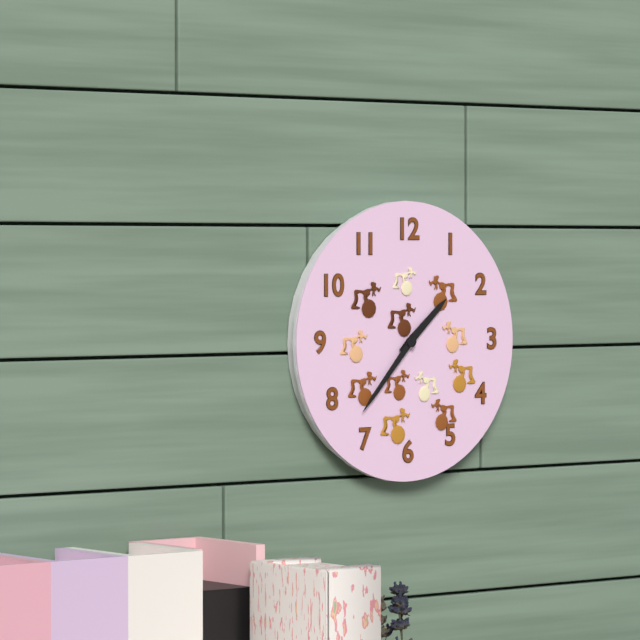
1,37
